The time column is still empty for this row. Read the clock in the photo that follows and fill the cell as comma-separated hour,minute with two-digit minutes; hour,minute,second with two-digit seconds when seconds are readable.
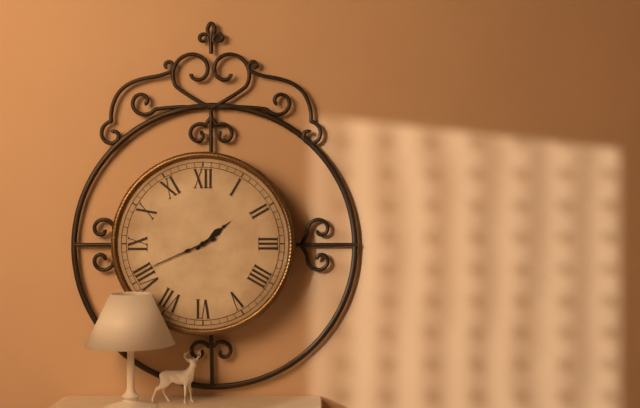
1,41
